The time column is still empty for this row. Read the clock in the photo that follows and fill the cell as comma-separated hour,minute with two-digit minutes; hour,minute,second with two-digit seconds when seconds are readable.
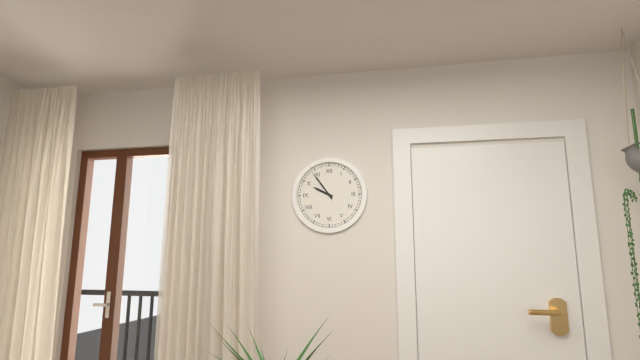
9,54
